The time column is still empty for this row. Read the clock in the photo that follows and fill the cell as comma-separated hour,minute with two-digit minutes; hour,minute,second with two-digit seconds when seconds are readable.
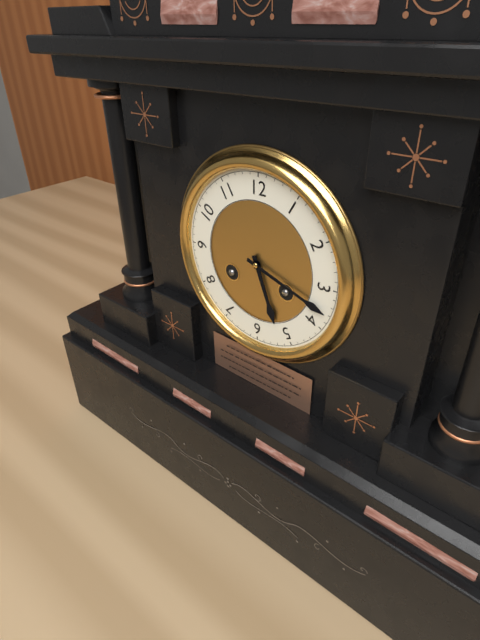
5,18
